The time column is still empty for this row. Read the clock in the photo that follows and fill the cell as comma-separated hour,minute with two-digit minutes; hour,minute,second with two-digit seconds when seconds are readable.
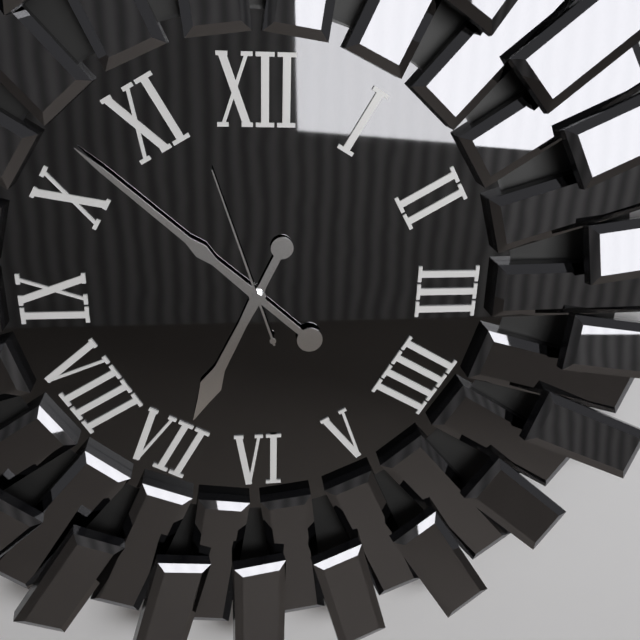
6,52,57
